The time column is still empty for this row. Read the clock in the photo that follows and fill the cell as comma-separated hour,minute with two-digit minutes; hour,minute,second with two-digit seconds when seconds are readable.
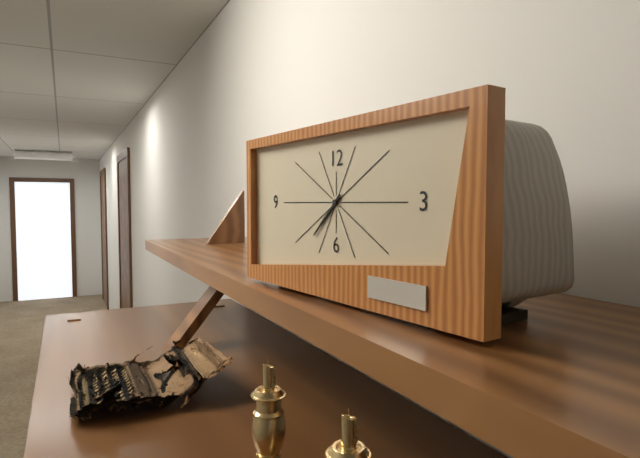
7,38
